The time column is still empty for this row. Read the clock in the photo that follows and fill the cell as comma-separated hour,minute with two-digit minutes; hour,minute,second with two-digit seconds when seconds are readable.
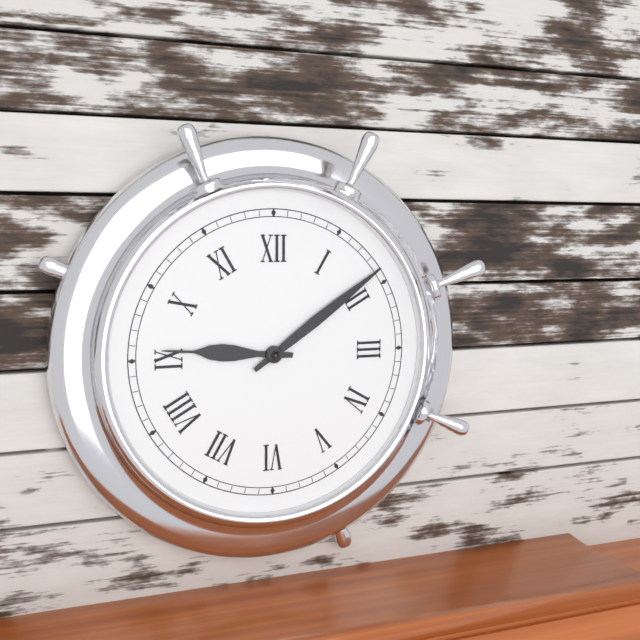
9,09
